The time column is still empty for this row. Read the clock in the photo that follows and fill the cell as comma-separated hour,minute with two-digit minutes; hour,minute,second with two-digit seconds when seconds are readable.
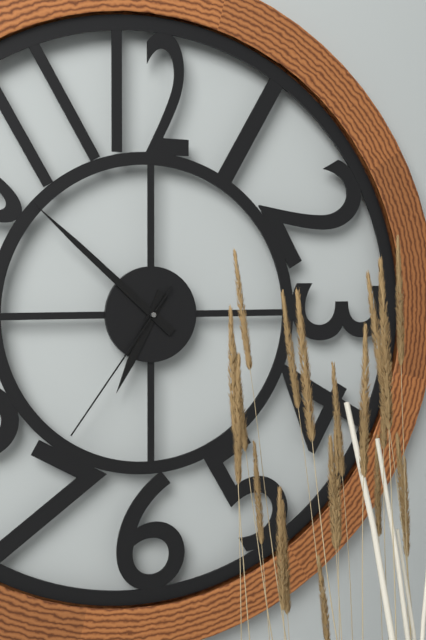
6,52,36
